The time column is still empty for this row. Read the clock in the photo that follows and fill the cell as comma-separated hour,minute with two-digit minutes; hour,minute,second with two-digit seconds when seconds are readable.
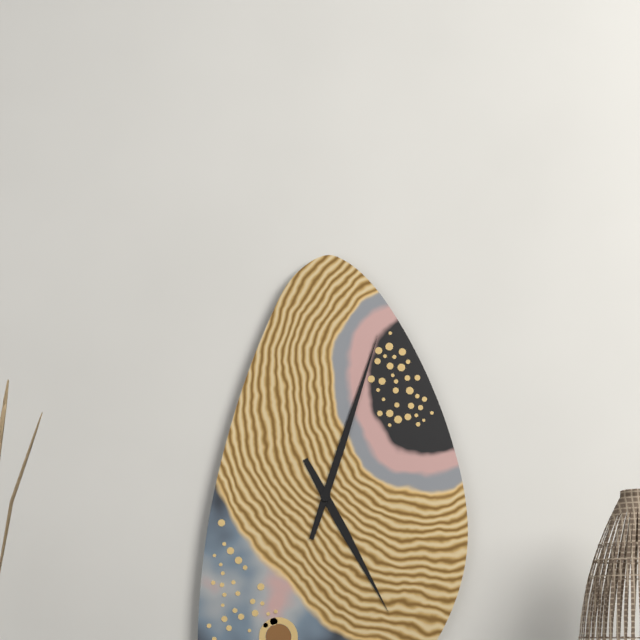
5,03
